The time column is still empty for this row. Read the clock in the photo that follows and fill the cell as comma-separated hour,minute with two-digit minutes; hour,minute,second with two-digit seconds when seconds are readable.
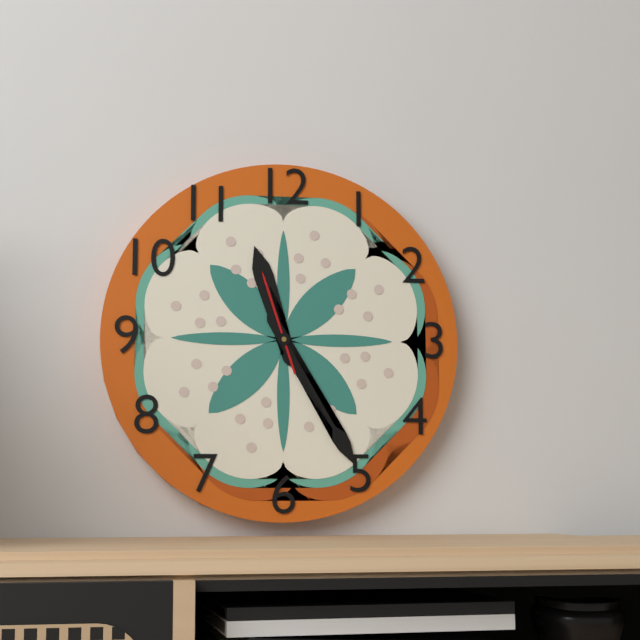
11,25,57
